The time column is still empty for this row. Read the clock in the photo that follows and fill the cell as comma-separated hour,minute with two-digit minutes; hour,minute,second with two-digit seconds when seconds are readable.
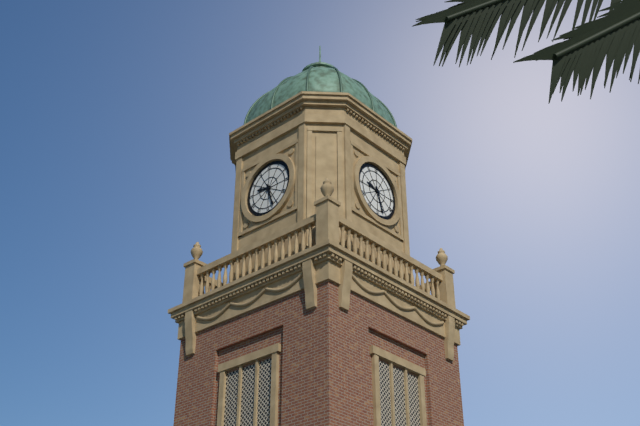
9,27
